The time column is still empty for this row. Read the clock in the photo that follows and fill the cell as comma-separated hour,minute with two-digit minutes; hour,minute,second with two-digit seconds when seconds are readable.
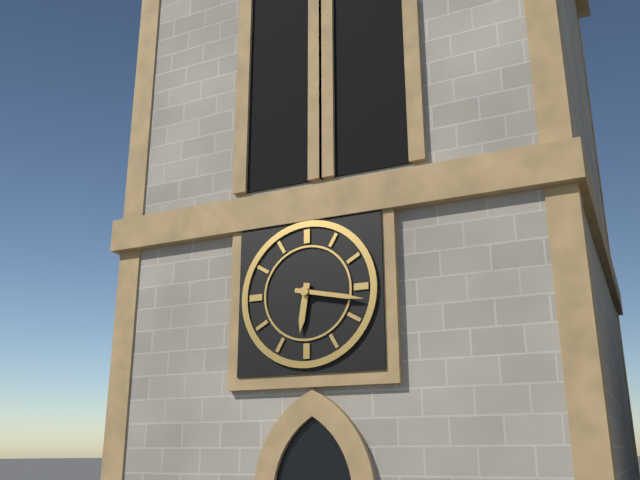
6,17
